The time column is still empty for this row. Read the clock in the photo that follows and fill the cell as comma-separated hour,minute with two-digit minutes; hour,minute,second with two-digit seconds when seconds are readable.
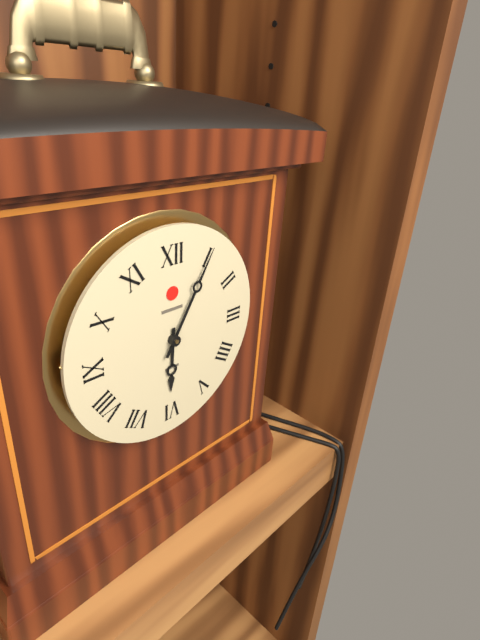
6,05
